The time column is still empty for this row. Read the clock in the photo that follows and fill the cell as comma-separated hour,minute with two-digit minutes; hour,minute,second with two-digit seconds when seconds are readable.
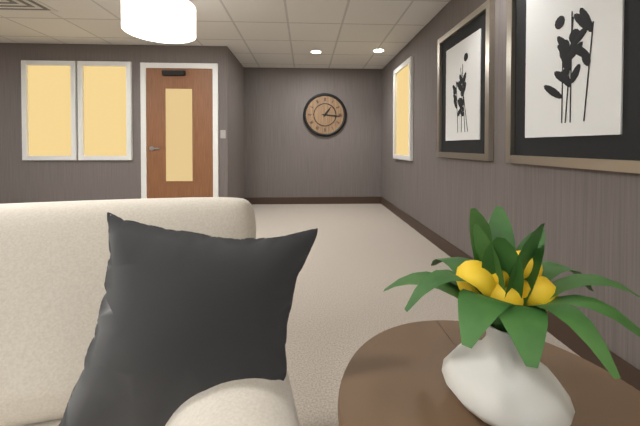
1,16
